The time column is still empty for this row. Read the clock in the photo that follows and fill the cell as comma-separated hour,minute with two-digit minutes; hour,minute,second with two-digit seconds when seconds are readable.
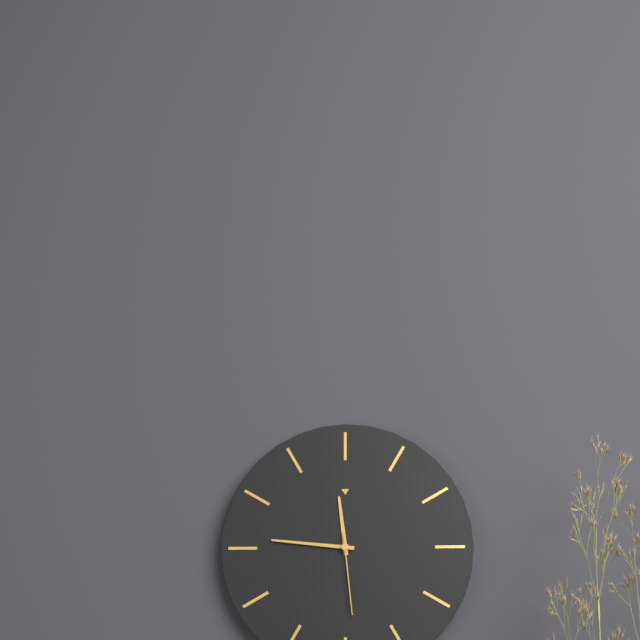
11,46,29
